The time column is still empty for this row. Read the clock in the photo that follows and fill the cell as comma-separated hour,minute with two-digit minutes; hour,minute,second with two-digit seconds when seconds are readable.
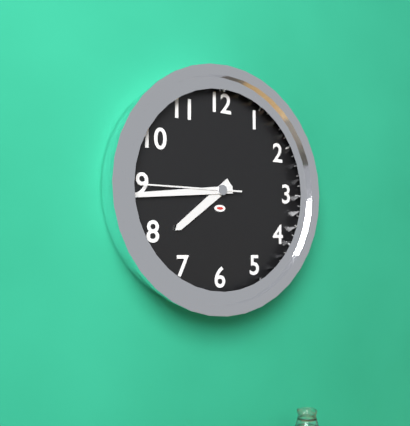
7,44,45
